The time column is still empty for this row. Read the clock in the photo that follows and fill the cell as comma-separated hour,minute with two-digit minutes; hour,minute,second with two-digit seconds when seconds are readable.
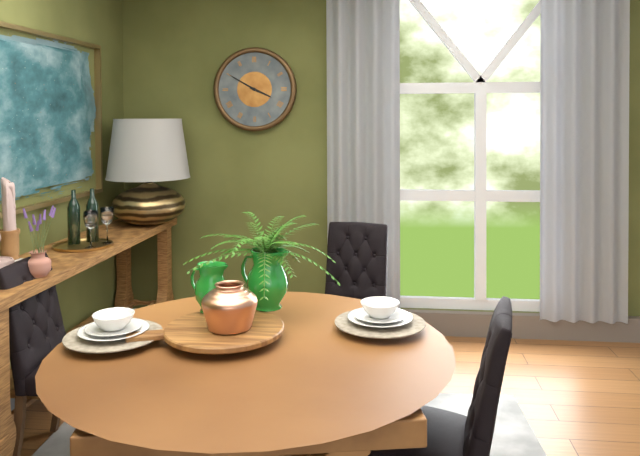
3,50
